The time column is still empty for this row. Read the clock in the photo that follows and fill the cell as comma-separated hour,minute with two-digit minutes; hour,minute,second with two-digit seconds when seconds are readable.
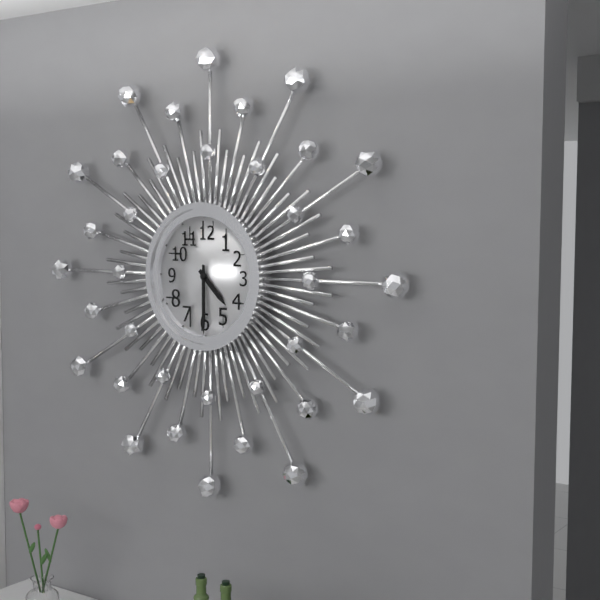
4,30
